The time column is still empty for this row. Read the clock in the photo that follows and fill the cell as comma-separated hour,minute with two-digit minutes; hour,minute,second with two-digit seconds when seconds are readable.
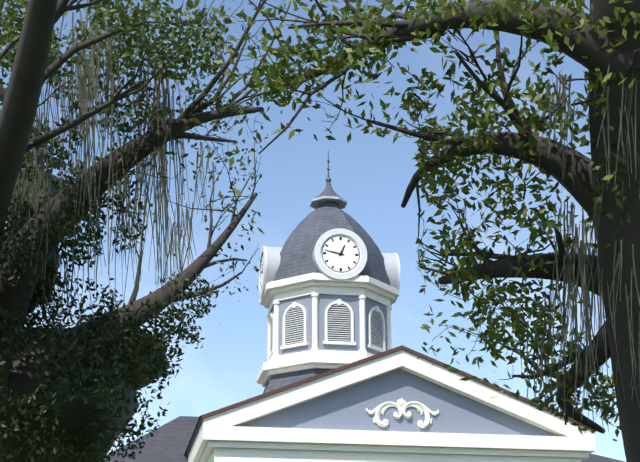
12,47
